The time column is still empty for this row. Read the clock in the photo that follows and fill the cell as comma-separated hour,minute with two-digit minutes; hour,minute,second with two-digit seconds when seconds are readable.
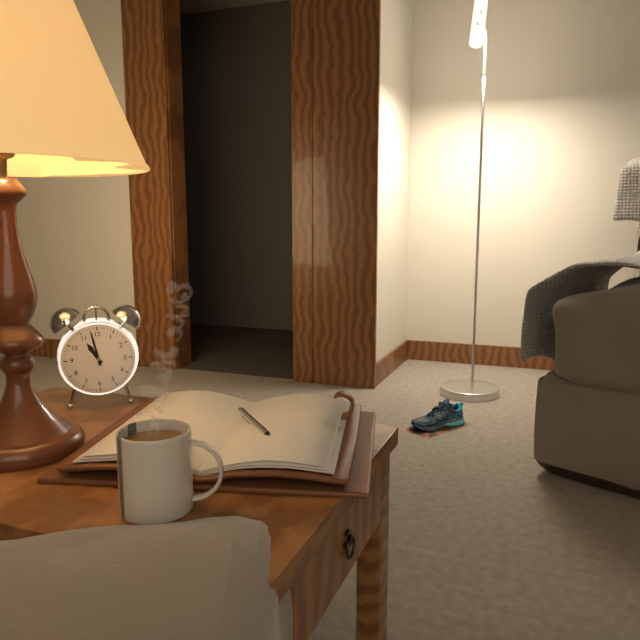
10,58
